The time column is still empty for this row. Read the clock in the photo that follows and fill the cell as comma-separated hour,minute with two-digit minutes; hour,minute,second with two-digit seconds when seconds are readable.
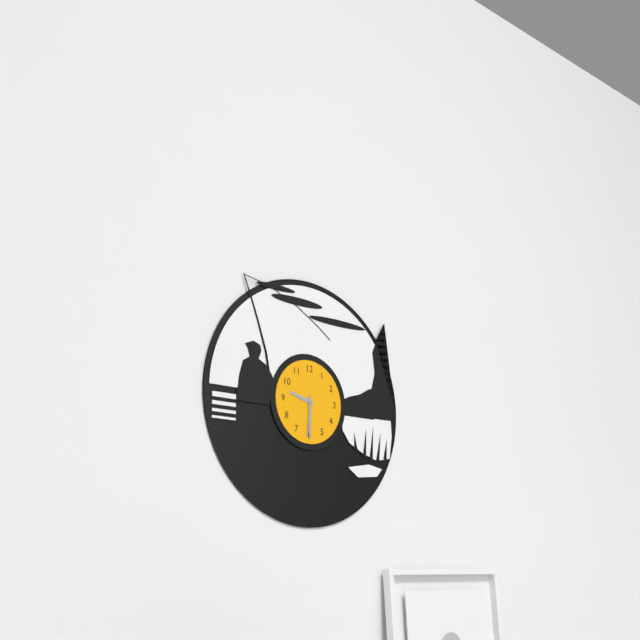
9,30
